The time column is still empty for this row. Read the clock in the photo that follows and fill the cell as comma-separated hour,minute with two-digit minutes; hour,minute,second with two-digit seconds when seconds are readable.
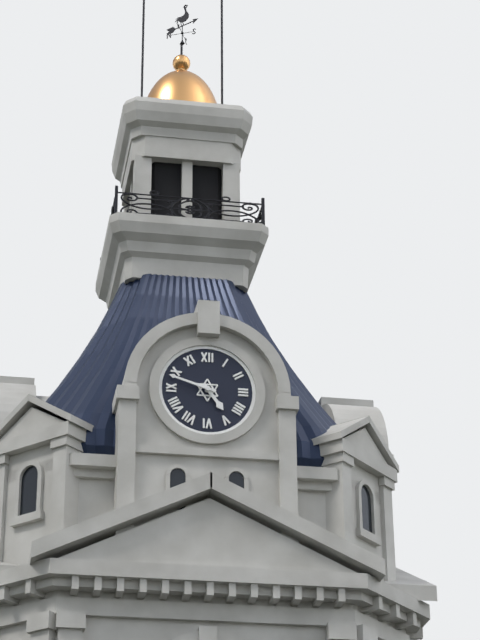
4,48
